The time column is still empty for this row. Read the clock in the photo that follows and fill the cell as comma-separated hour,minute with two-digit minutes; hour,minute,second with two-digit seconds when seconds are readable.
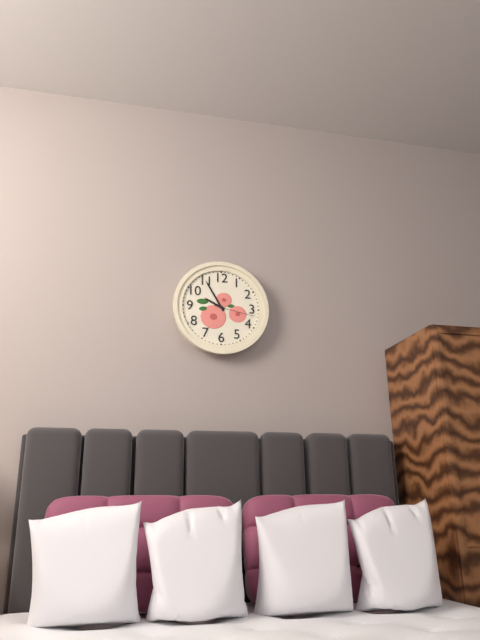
9,55
